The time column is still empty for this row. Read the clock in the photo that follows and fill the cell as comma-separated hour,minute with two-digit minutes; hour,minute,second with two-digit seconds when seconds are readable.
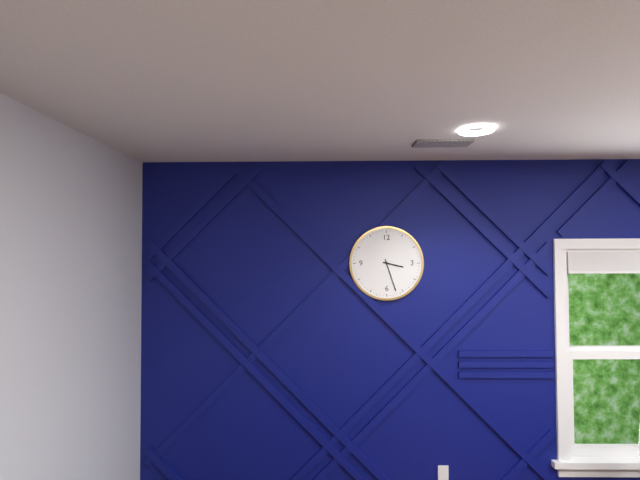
3,27
